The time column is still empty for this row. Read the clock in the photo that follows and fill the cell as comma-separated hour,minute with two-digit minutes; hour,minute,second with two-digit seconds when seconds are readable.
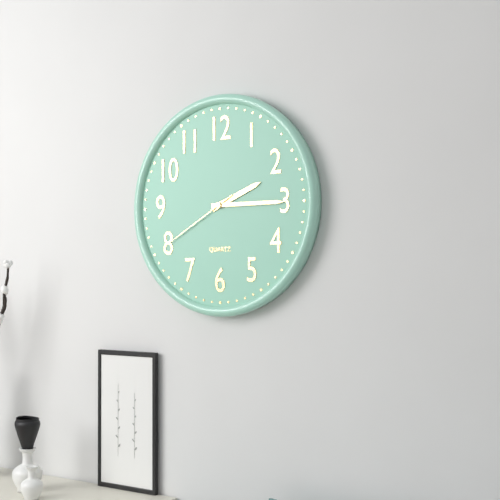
2,15,40
